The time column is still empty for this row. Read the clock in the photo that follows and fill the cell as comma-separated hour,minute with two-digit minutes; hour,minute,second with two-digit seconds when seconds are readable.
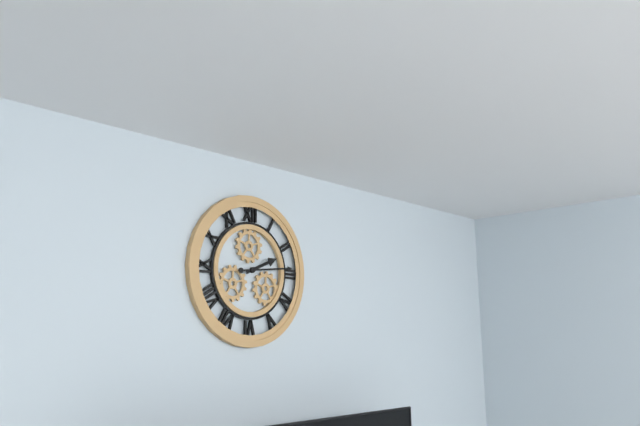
2,14
